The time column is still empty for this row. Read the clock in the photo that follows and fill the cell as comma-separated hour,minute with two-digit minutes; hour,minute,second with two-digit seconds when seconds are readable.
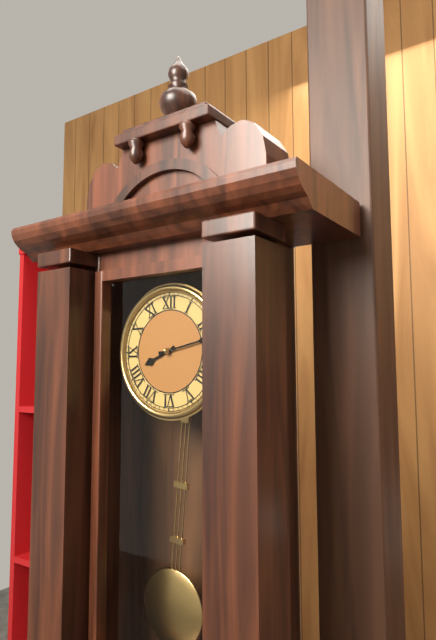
8,13
